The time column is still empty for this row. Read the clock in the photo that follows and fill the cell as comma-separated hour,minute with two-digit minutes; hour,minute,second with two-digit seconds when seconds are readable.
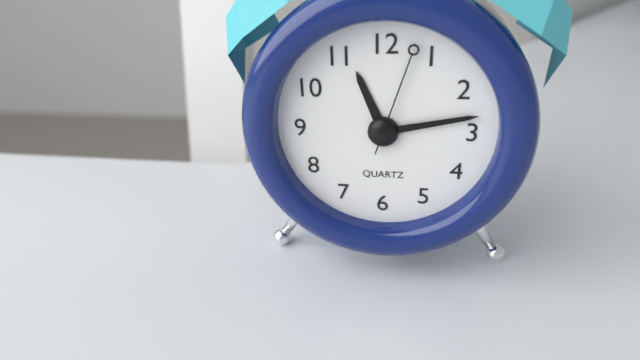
11,13,03
